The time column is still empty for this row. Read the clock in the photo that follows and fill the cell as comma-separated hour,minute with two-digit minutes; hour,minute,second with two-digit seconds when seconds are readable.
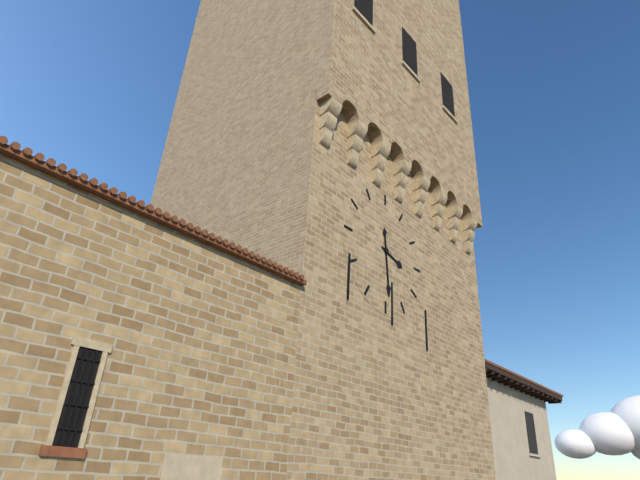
3,29
